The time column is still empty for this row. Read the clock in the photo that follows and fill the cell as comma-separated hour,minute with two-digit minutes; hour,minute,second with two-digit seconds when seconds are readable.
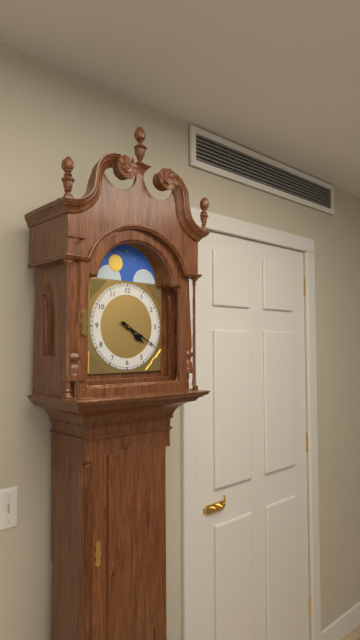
4,20
